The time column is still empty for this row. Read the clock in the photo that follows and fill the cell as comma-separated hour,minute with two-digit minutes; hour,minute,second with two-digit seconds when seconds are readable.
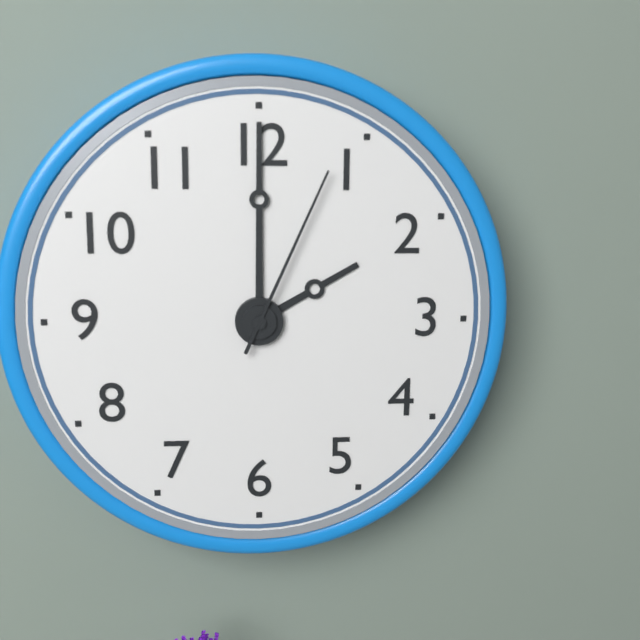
2,00,04
